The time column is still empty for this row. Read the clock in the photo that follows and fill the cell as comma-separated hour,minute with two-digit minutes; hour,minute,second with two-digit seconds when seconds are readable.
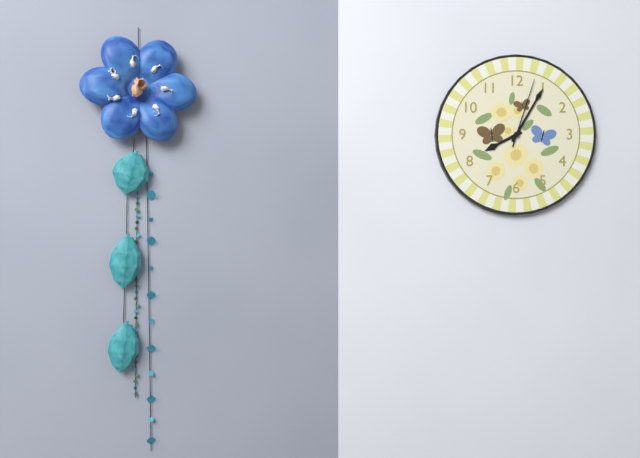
8,05,03
